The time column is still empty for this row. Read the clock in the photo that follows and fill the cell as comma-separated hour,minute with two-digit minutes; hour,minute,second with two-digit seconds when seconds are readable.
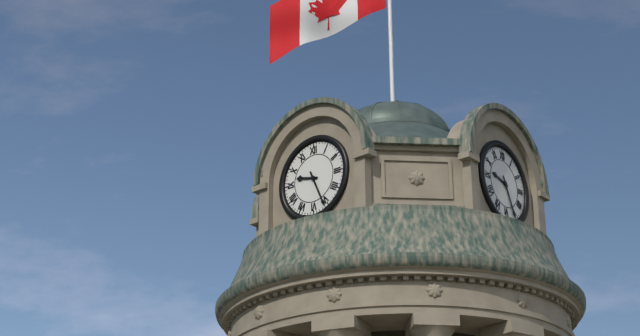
9,26
